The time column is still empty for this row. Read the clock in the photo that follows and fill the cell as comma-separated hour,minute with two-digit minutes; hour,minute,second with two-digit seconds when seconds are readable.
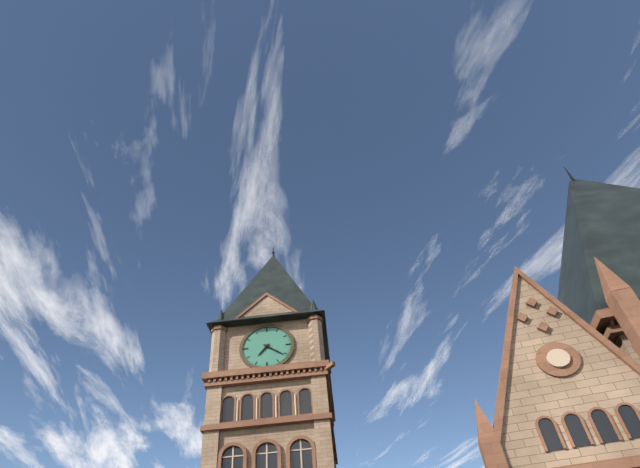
7,21
